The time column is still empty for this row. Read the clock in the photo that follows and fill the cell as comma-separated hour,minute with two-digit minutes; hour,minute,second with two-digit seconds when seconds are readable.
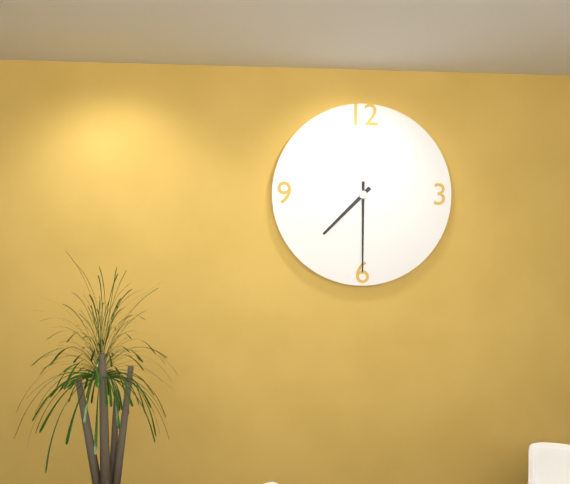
7,30
